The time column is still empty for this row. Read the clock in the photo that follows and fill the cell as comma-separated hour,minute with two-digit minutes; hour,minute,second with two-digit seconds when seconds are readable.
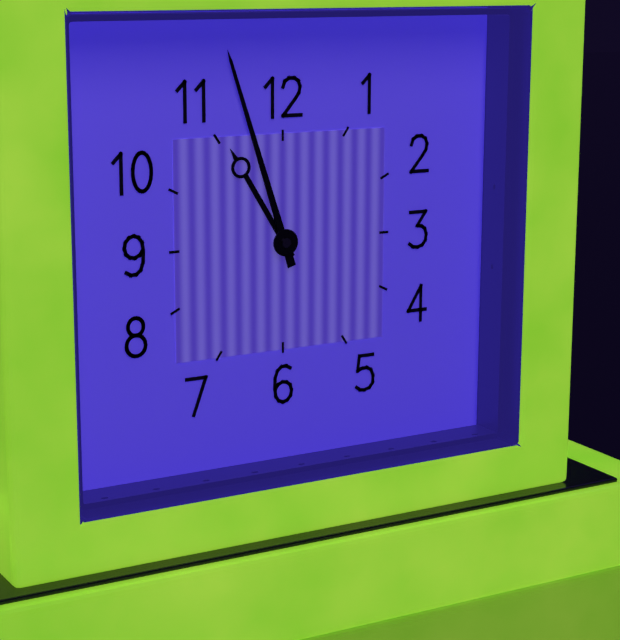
10,57
